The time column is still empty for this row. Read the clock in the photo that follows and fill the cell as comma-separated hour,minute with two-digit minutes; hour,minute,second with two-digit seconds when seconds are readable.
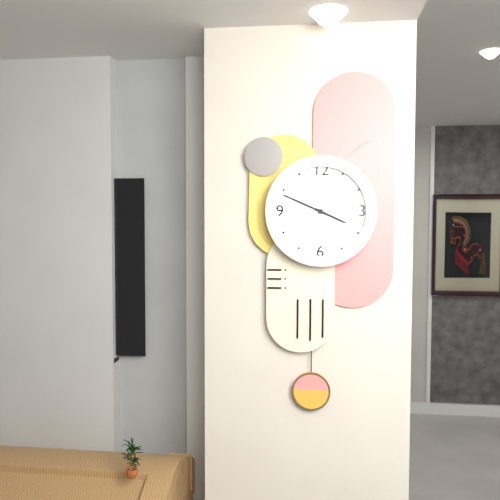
3,49
